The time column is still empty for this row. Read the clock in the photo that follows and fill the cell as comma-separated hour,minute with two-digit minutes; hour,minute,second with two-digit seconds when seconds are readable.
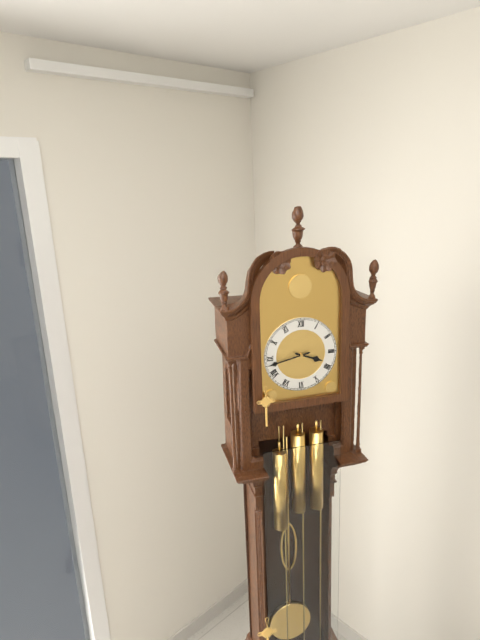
3,43
